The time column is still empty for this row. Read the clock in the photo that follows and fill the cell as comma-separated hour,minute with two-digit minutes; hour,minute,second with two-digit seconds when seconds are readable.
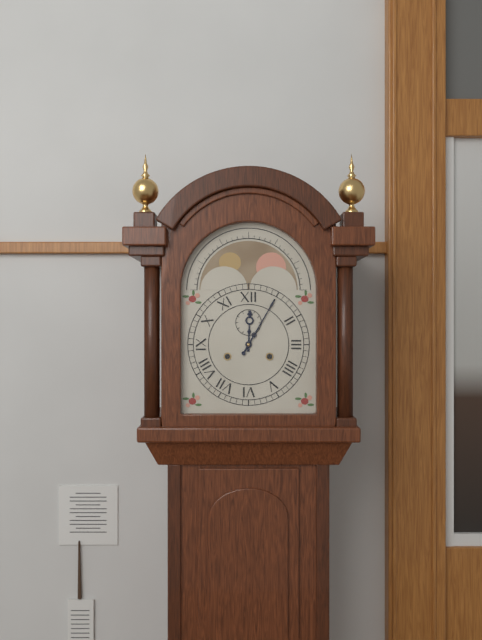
12,05
